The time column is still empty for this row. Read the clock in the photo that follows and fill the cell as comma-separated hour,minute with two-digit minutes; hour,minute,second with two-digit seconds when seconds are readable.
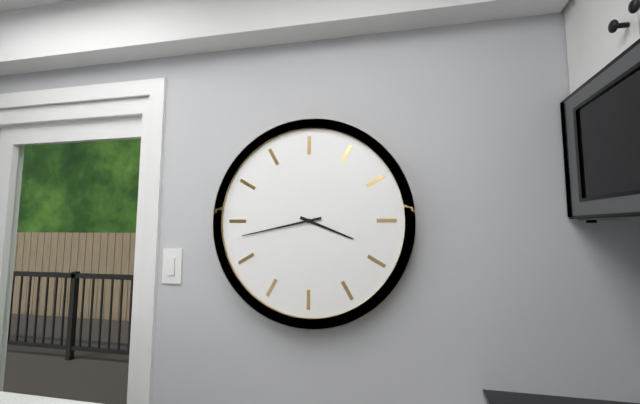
3,43
